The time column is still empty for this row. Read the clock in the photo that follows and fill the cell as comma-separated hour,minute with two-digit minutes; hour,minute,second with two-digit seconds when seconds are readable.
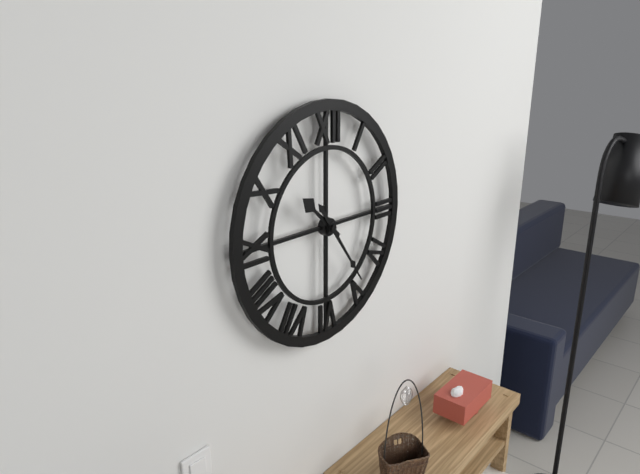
10,24
